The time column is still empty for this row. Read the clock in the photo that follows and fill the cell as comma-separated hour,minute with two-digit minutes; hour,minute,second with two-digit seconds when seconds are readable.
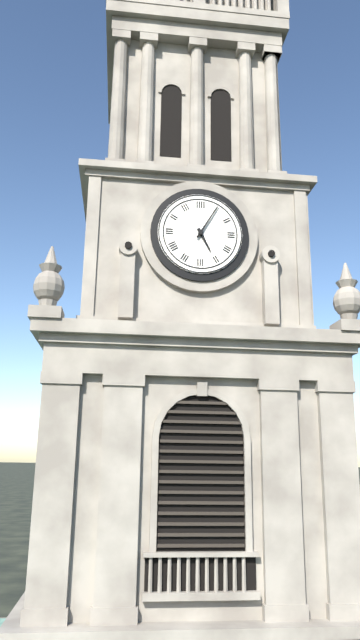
5,05
